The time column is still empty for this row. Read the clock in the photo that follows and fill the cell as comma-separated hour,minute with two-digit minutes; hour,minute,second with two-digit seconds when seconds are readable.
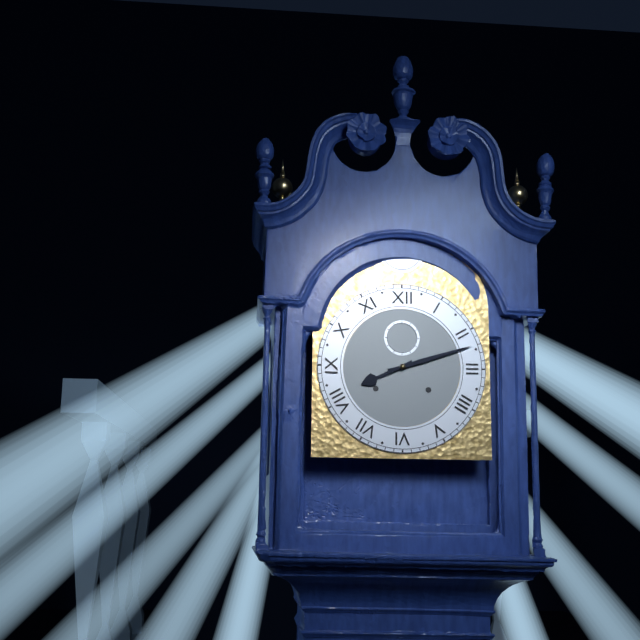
8,12
